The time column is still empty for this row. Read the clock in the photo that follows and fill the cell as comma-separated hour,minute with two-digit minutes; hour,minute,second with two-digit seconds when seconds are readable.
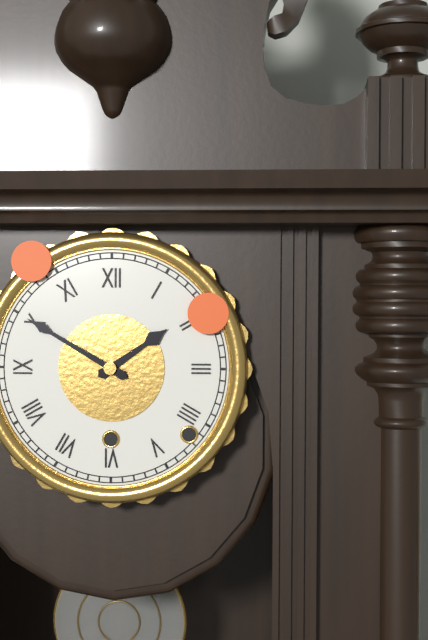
1,50
